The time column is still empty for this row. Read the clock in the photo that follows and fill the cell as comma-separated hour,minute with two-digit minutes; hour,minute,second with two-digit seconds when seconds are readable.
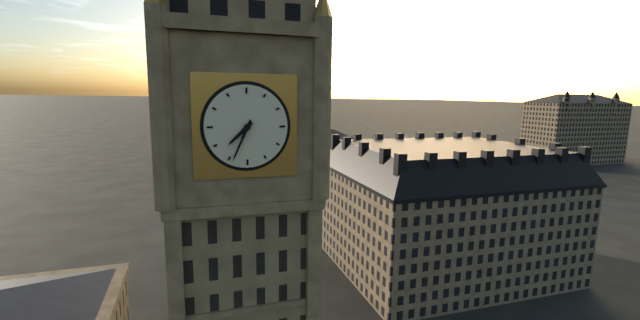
7,34
